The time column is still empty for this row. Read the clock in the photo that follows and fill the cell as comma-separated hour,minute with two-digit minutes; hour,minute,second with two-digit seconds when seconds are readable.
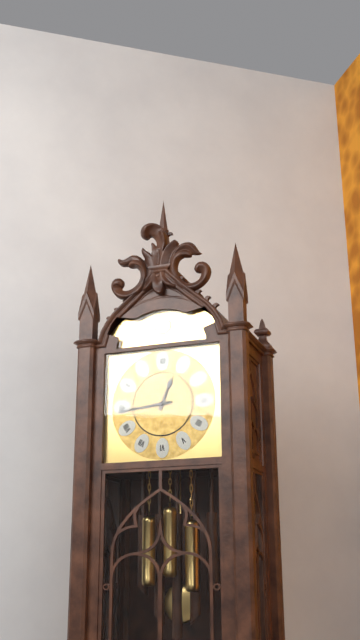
12,44
